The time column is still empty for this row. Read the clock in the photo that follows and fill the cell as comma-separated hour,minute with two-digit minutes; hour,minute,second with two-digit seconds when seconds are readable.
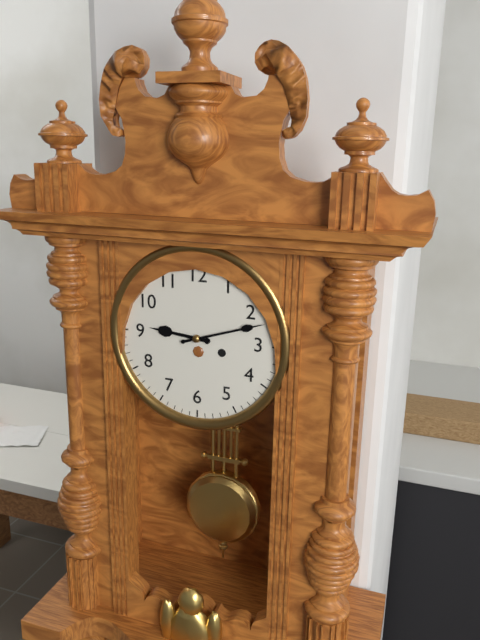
9,12
